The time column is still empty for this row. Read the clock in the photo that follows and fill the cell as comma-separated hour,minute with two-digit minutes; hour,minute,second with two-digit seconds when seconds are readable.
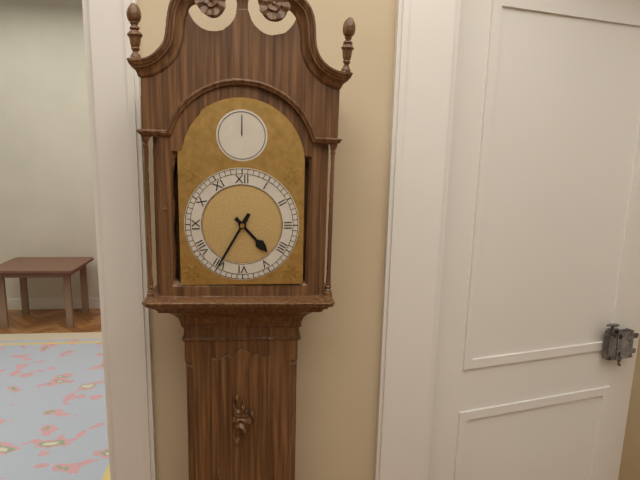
4,35
